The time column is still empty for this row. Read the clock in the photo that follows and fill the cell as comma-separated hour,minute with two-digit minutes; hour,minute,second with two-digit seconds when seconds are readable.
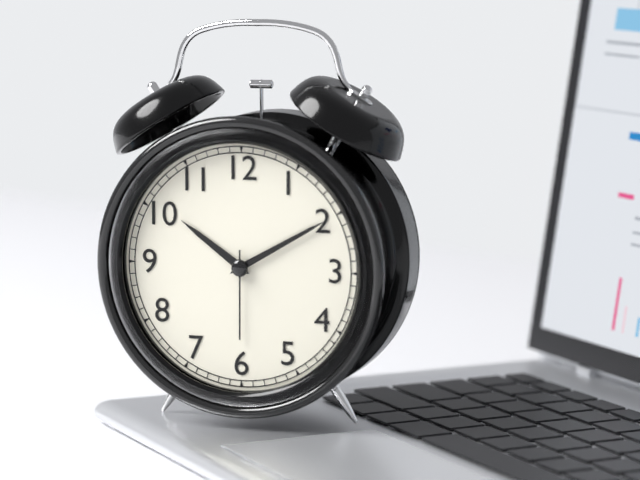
10,10,30
